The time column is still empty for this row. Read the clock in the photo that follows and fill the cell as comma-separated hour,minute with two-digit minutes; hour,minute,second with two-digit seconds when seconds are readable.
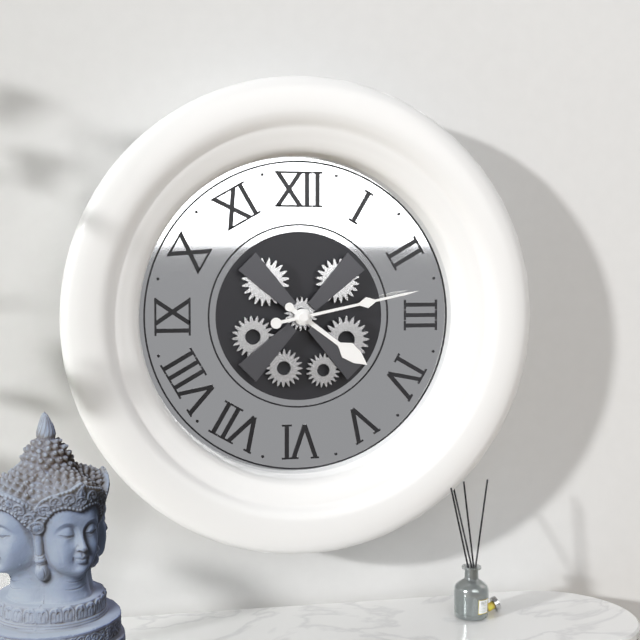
4,13
